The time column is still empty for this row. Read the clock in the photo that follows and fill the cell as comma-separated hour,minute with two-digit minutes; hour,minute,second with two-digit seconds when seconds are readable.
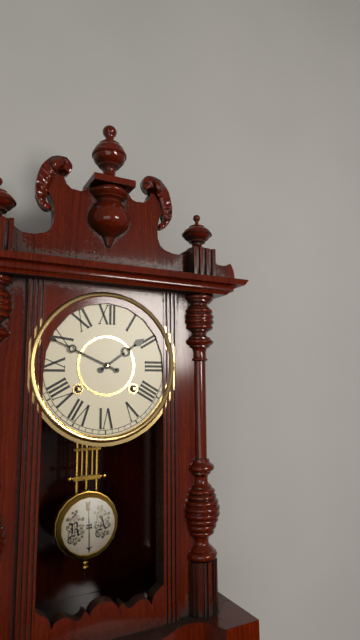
1,49
